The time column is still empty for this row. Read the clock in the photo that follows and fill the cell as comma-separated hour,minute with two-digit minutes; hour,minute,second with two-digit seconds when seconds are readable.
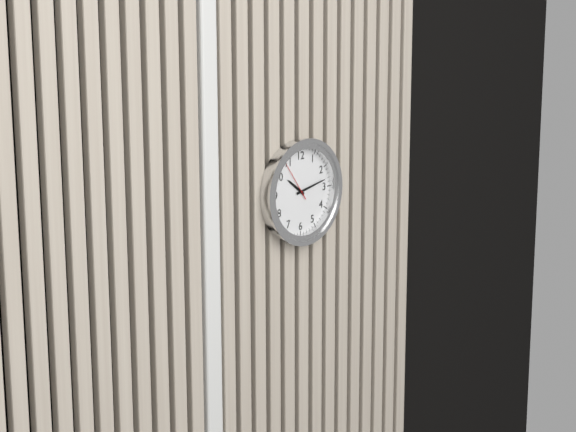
10,13
